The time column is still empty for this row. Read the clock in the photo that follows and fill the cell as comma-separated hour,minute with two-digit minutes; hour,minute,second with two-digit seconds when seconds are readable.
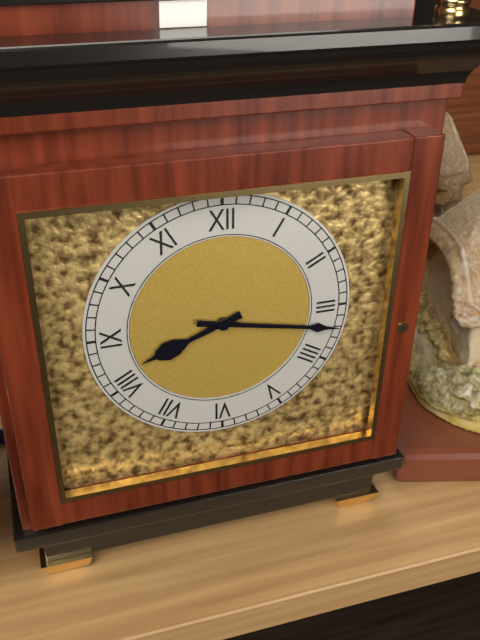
8,17
